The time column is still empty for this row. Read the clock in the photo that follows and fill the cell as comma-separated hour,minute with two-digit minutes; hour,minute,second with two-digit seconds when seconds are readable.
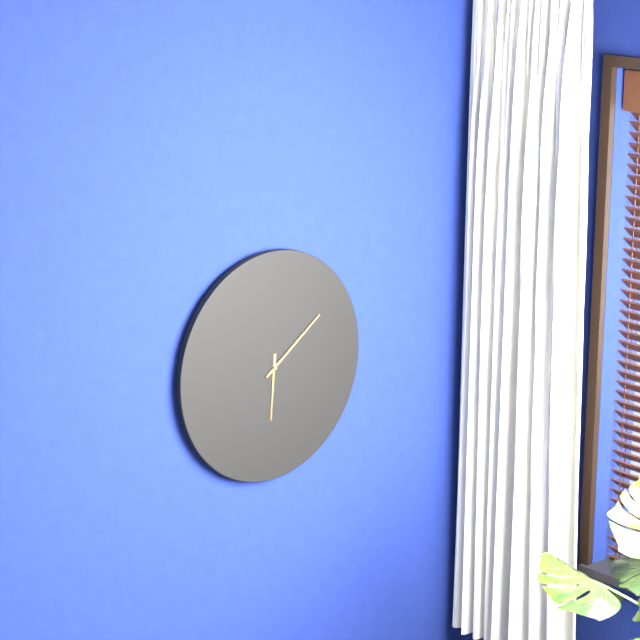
6,09
